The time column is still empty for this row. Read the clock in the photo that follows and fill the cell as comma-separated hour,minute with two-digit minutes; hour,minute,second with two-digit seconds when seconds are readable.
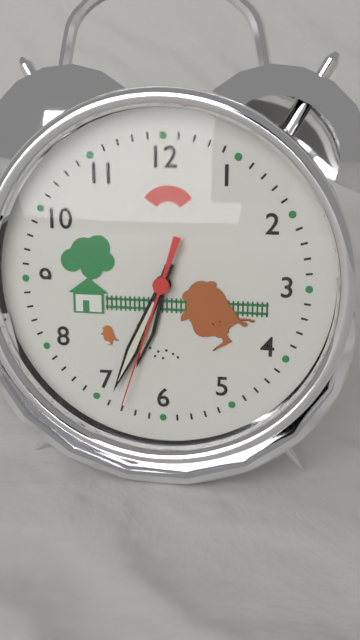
6,34,33
